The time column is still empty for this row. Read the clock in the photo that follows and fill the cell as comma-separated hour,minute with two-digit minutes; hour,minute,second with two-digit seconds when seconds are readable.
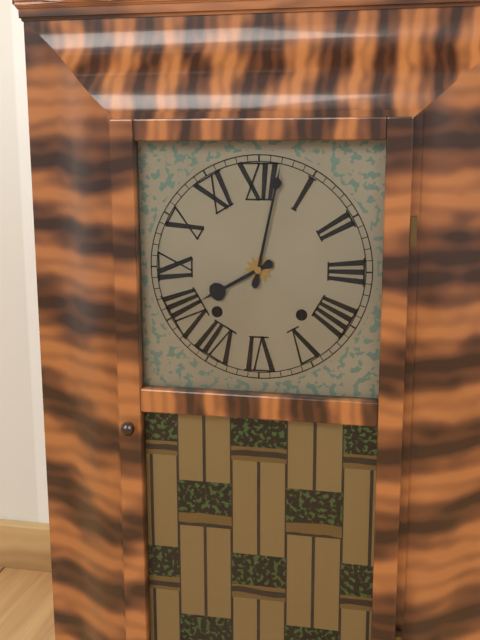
8,02
